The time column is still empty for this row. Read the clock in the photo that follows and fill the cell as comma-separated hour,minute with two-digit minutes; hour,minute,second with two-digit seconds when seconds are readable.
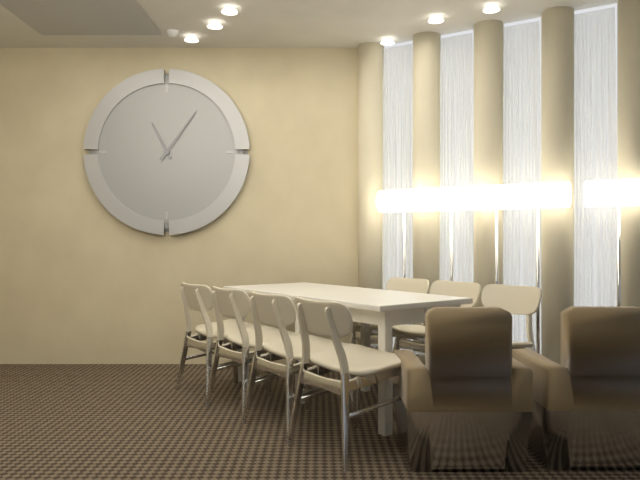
11,06
